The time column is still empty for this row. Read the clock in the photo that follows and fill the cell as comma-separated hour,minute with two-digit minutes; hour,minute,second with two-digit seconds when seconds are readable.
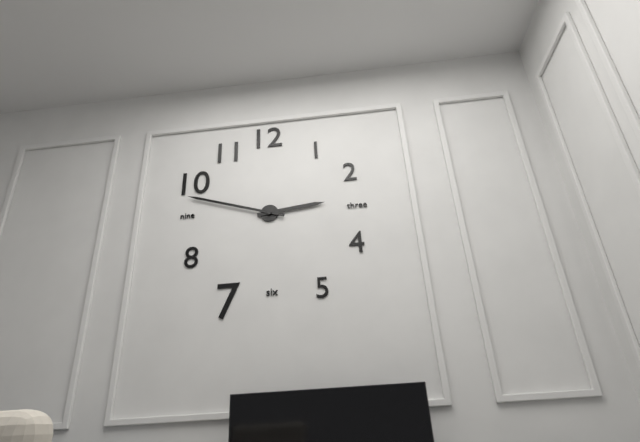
2,48
